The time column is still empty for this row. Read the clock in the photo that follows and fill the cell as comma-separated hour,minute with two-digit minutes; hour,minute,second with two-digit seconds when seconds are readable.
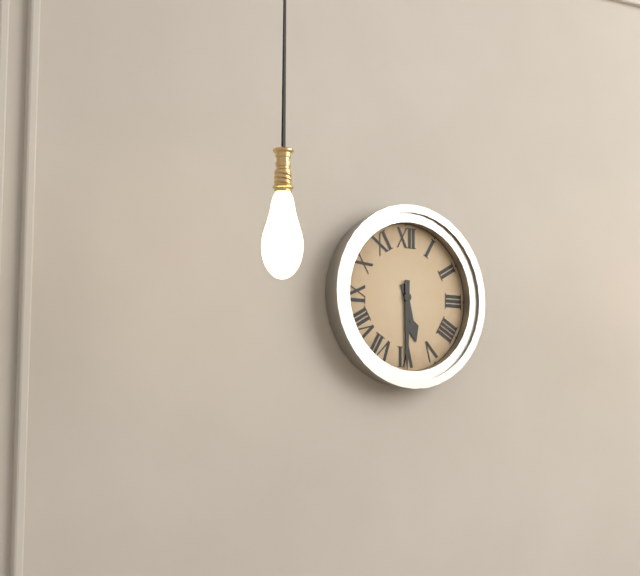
5,30
